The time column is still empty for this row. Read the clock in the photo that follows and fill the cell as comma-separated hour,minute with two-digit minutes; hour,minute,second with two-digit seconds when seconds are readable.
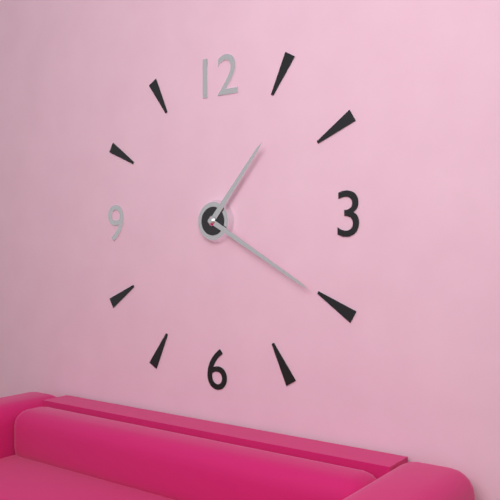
1,20
